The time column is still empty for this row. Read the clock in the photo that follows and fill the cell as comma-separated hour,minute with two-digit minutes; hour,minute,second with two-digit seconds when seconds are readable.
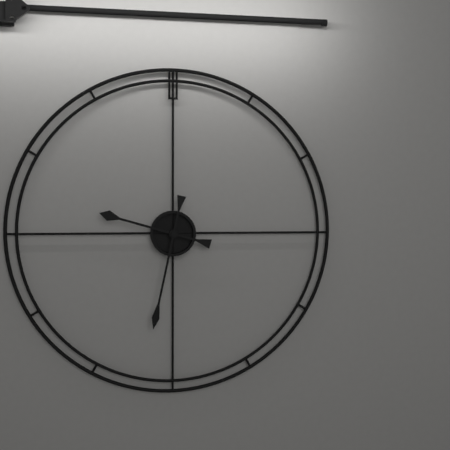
9,32
